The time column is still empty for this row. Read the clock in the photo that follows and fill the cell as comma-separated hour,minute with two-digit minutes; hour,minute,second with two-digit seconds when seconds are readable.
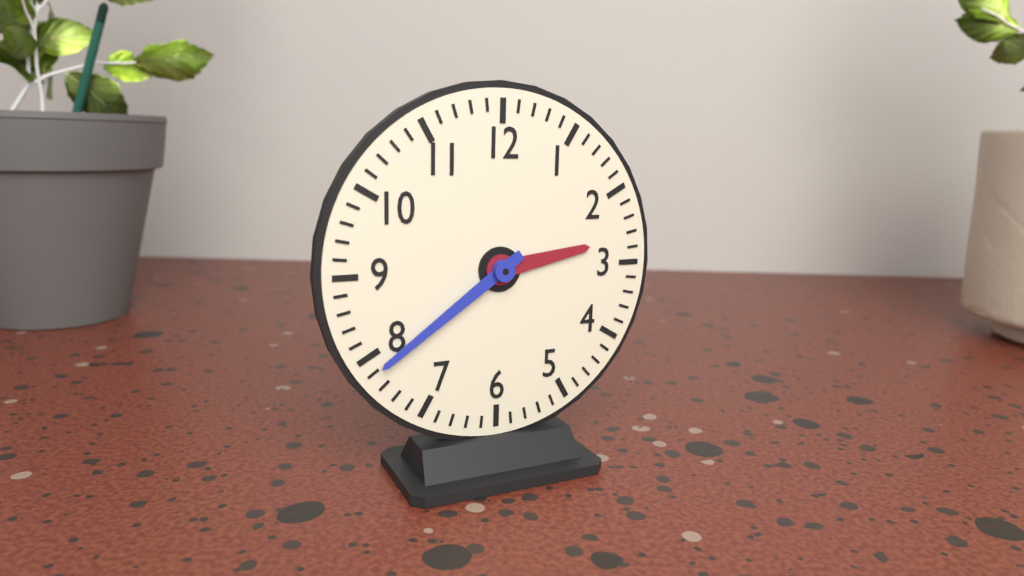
2,39
